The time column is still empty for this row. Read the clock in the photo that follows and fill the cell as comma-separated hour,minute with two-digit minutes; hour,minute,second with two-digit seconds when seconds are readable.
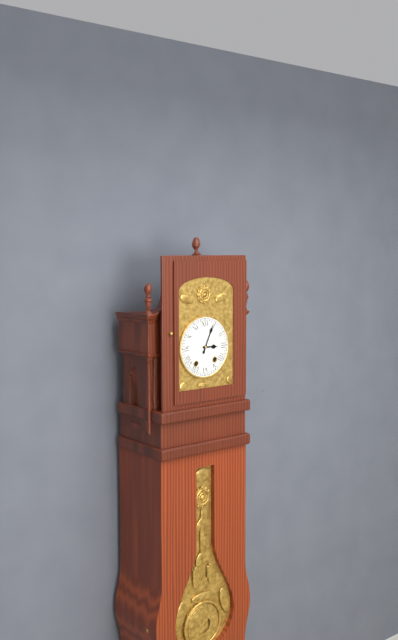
3,04
